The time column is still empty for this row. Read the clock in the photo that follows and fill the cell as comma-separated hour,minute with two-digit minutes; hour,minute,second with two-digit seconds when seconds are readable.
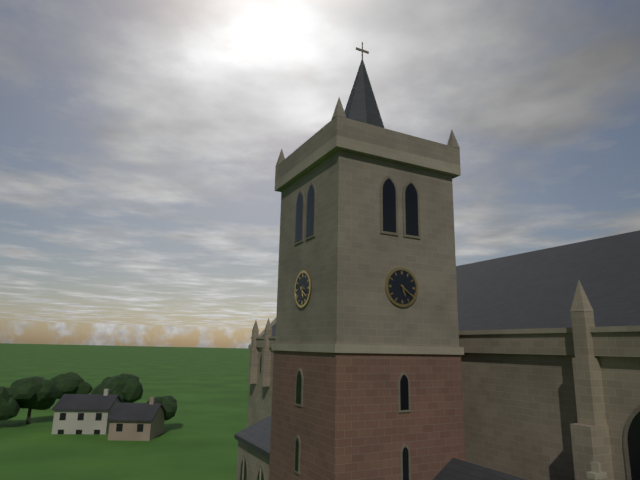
5,21
